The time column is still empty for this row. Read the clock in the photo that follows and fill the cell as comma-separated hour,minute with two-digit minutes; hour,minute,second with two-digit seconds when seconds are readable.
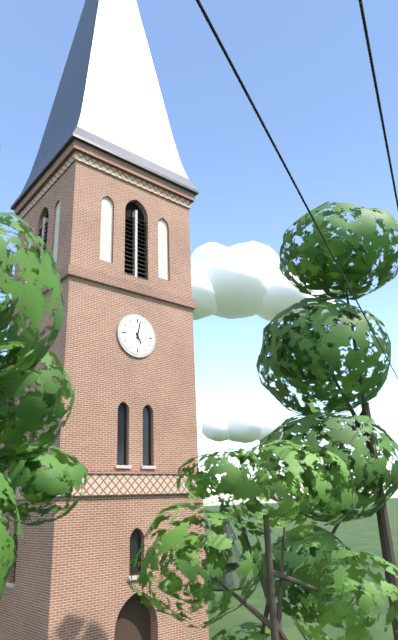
5,02
